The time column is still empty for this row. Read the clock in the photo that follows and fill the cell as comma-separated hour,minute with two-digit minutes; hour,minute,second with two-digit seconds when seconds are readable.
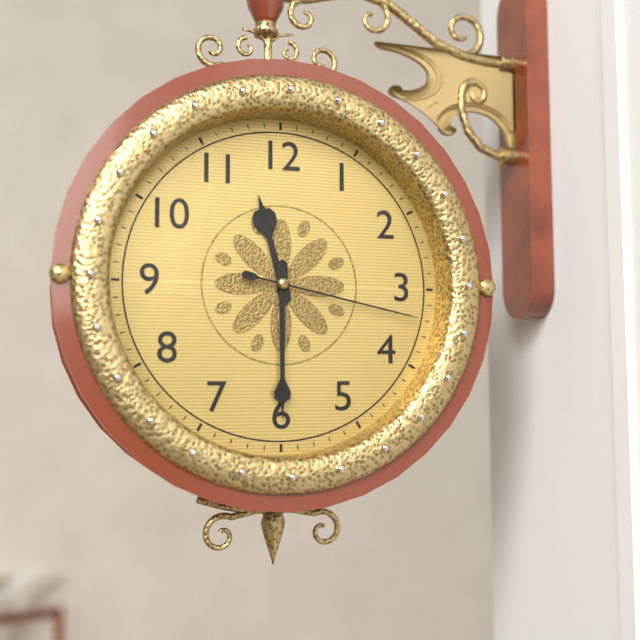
11,30,17
